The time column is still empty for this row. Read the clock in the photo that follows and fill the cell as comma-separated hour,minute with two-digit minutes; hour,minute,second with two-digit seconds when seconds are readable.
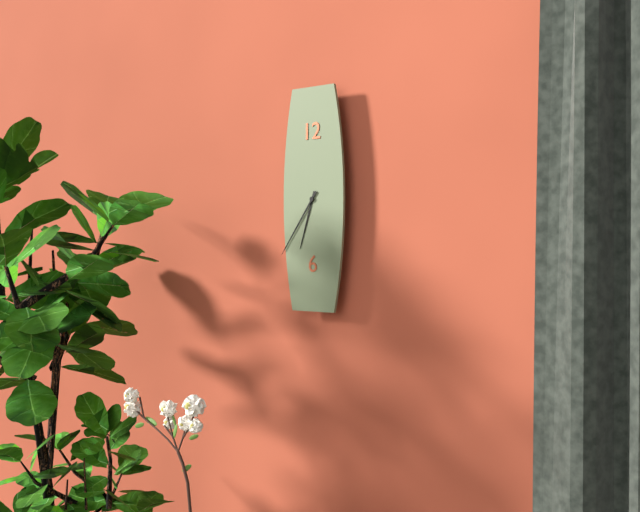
6,36
